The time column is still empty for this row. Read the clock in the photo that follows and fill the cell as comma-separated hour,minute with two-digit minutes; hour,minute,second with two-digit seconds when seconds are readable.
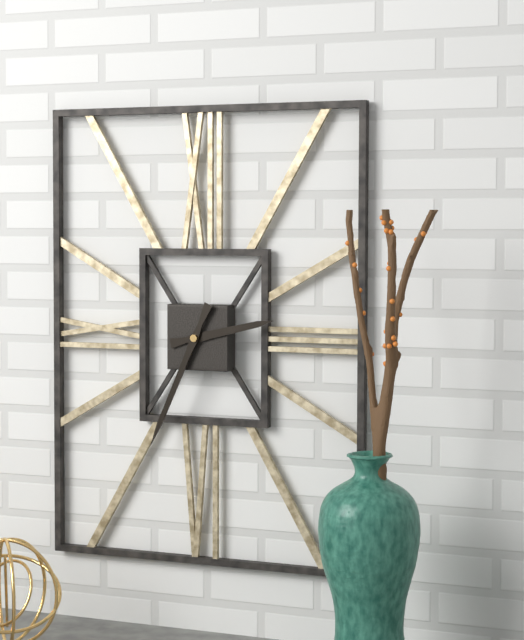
2,34
